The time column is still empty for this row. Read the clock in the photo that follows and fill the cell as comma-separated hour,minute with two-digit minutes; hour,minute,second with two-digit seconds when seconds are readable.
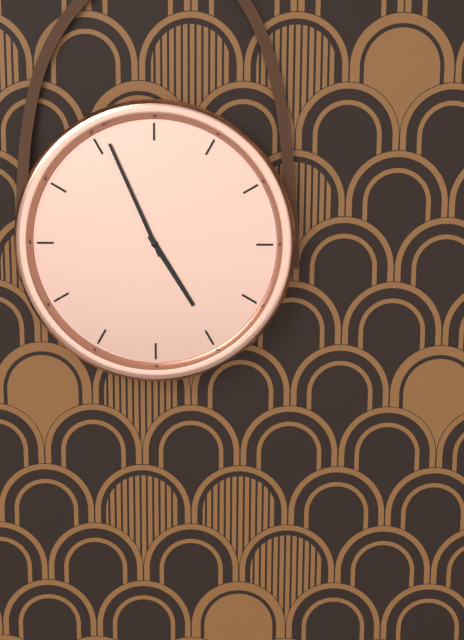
4,56
